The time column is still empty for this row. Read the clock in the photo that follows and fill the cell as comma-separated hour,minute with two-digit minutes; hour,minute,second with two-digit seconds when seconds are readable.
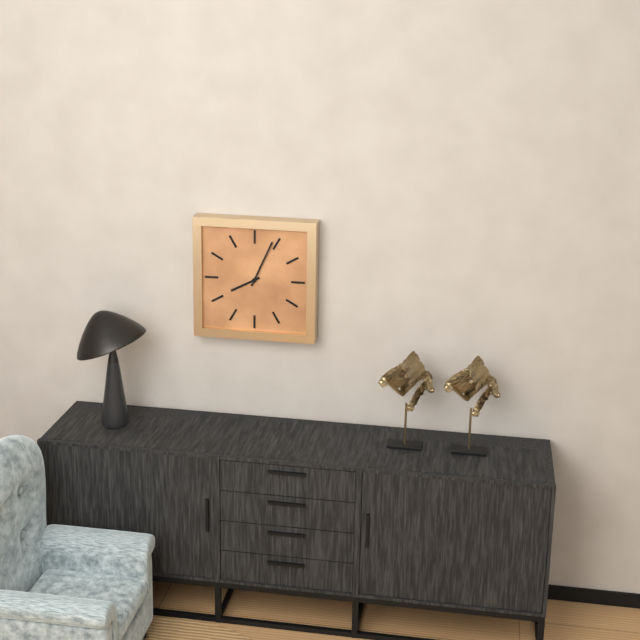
8,04
